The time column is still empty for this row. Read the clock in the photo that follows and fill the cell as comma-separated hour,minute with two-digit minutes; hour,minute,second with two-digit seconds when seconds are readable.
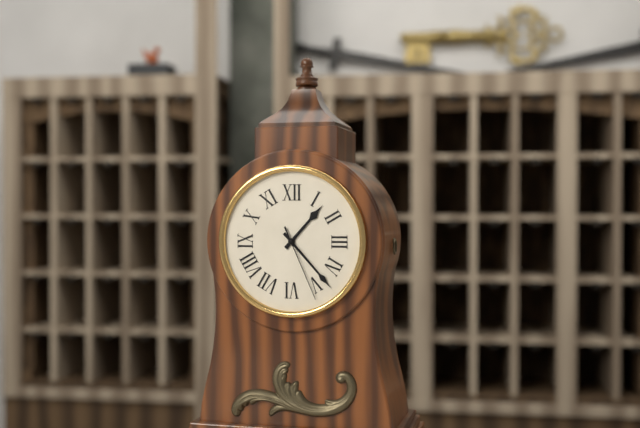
1,23,26
